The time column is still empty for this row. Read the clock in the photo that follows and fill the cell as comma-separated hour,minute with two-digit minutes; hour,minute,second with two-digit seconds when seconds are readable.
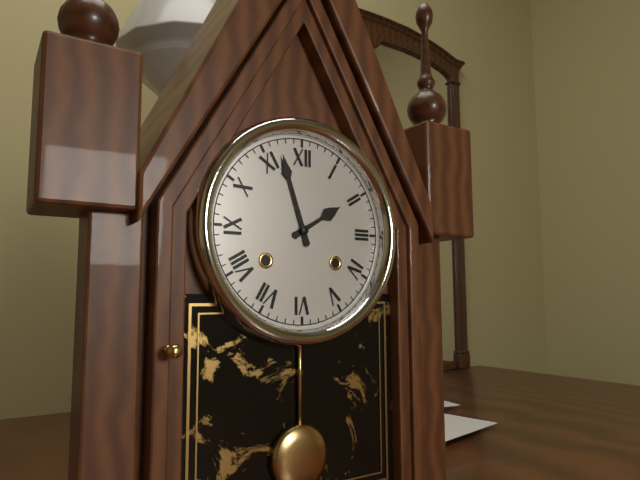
1,57
